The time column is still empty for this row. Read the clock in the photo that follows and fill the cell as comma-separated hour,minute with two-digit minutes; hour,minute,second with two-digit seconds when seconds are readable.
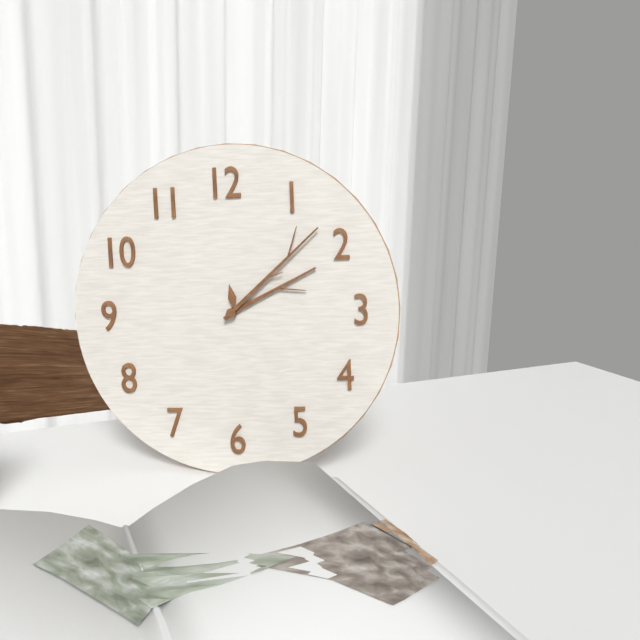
2,08
